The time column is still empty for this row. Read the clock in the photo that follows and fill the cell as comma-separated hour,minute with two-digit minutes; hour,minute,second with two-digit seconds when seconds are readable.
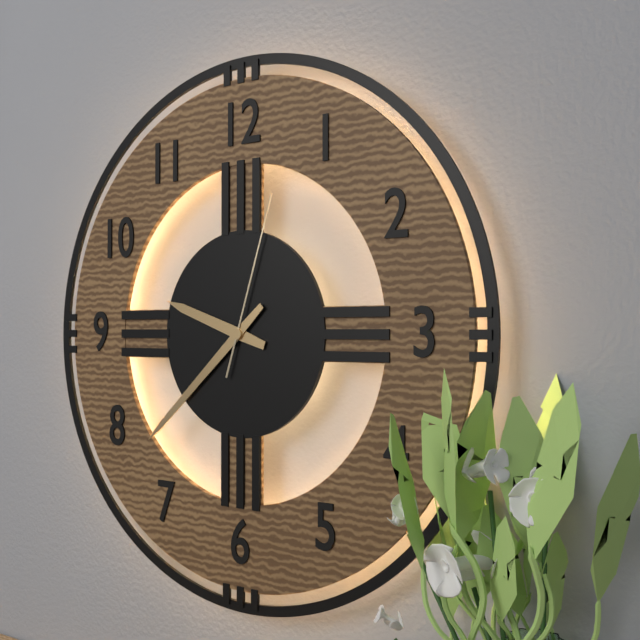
9,38,03
